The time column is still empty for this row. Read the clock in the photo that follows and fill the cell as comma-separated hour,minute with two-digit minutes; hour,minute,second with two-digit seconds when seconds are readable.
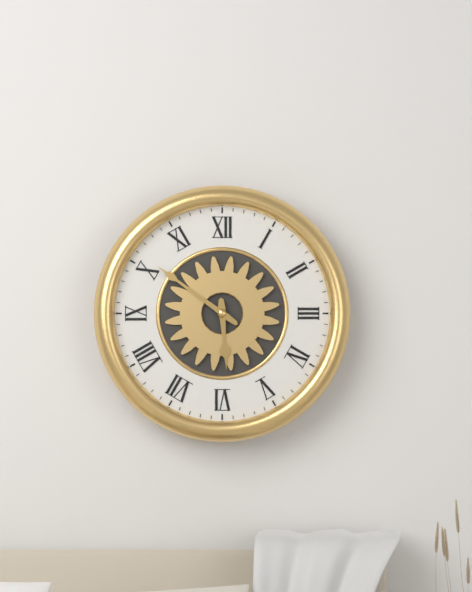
5,51
